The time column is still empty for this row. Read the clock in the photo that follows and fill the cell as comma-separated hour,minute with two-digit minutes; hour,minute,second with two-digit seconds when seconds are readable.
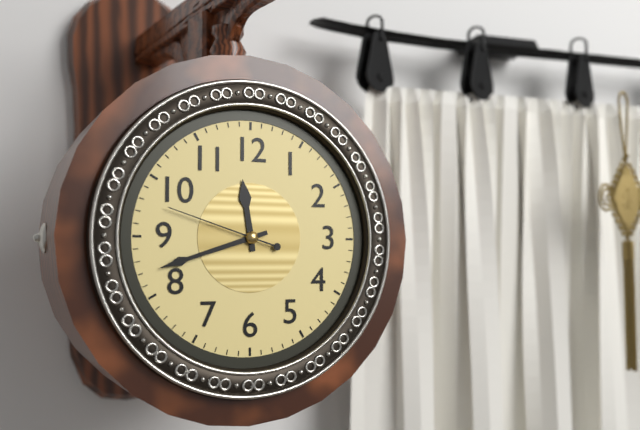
11,42,48
